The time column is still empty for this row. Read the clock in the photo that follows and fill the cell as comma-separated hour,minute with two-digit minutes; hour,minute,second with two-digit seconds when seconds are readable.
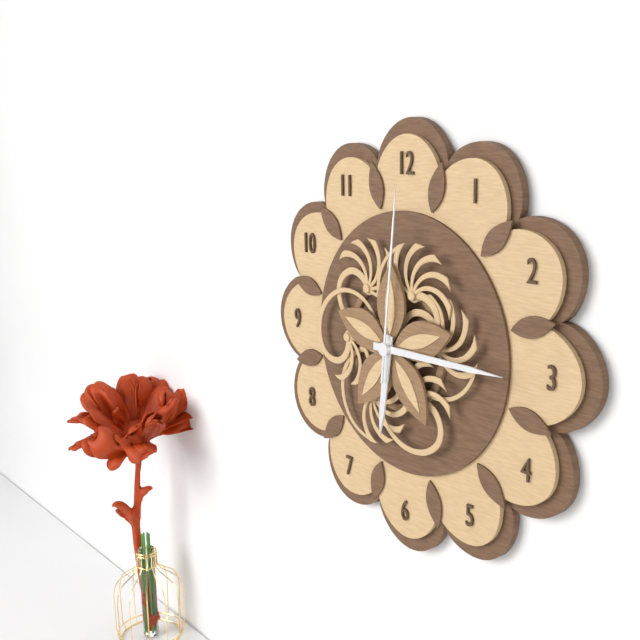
6,15,01
